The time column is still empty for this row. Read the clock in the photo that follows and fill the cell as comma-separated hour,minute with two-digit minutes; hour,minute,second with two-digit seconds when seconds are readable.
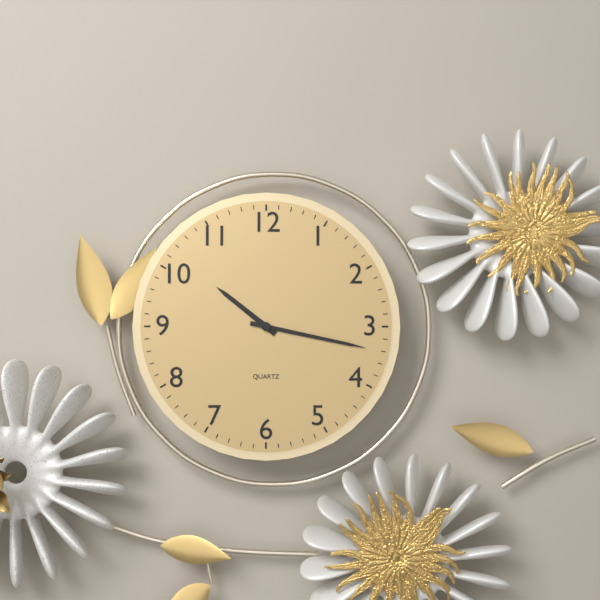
10,17
